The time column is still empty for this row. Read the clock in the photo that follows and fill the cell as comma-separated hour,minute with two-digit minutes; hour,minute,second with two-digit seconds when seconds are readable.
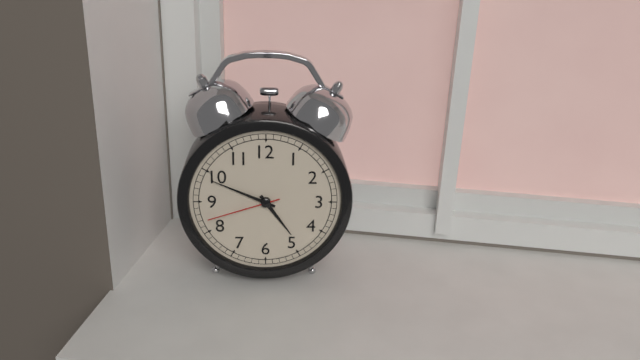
4,49,42
